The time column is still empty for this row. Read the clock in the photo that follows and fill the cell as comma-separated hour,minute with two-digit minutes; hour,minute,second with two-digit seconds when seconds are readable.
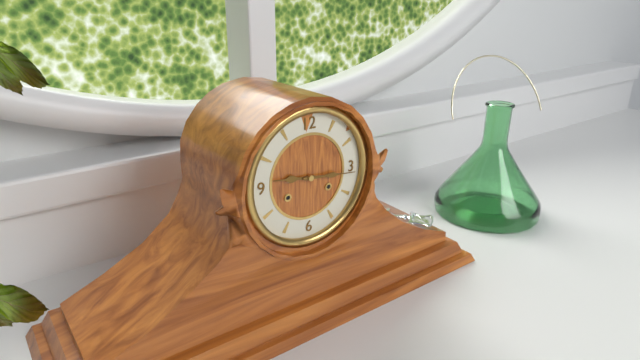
9,16
